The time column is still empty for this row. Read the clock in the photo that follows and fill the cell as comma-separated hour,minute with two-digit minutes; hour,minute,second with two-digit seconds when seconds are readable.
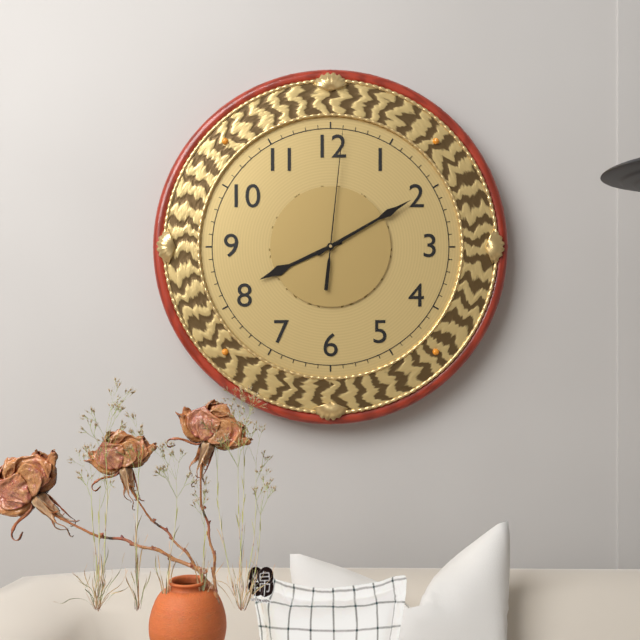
8,10,01
